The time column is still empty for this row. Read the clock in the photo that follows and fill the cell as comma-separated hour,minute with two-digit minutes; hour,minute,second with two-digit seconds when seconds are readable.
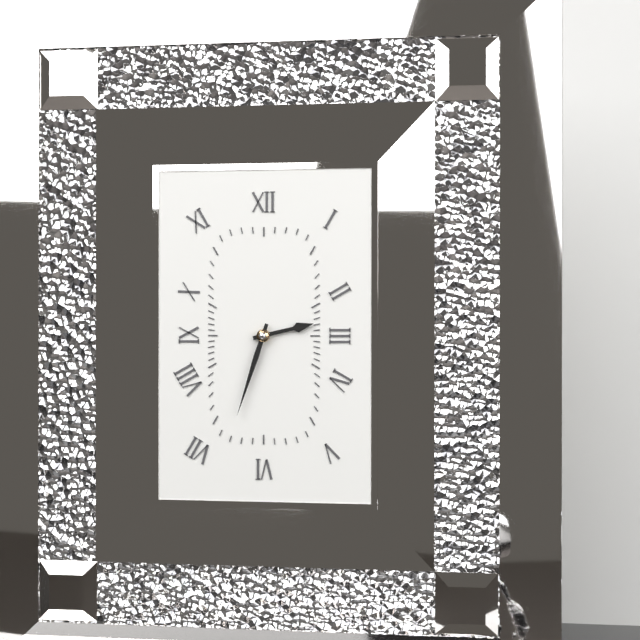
2,33
